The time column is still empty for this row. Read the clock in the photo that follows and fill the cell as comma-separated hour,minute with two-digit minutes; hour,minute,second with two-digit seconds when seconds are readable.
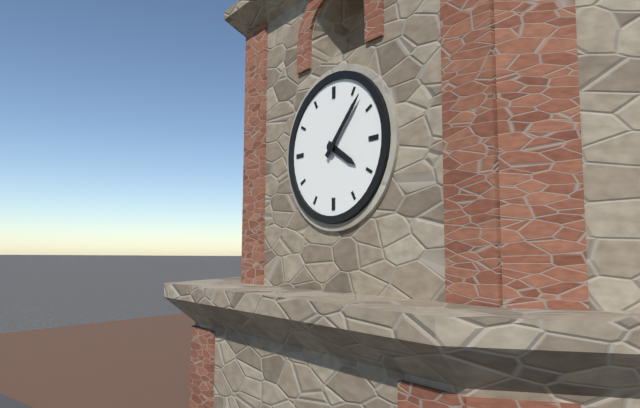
4,07
